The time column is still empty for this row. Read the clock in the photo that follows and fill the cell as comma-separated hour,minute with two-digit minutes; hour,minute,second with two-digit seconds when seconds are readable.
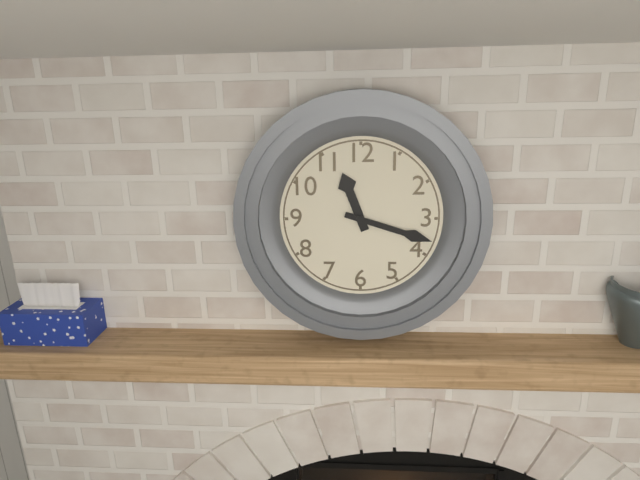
11,18
